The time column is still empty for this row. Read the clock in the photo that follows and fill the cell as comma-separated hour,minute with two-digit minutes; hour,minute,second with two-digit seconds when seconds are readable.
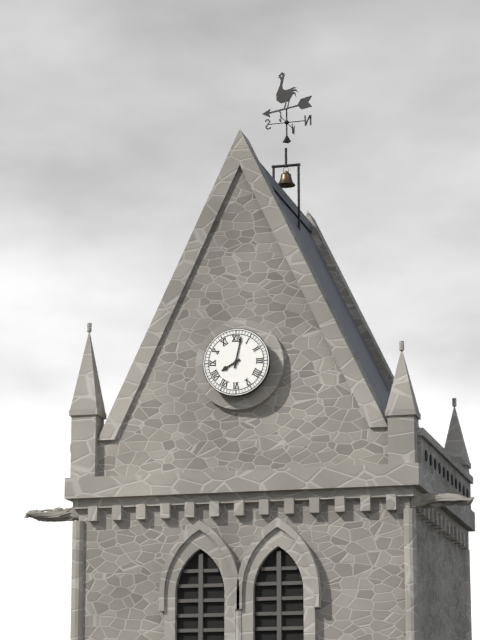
8,02
